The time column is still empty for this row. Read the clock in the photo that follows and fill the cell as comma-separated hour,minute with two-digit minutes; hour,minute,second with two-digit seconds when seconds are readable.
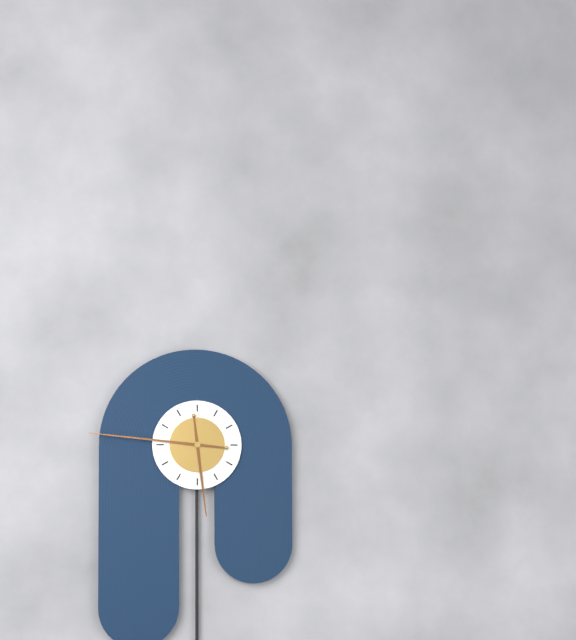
5,46
